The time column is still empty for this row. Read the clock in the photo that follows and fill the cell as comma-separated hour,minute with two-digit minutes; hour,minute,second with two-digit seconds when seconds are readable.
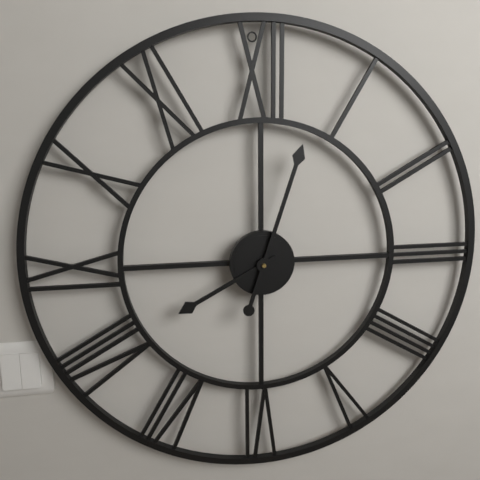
8,03
